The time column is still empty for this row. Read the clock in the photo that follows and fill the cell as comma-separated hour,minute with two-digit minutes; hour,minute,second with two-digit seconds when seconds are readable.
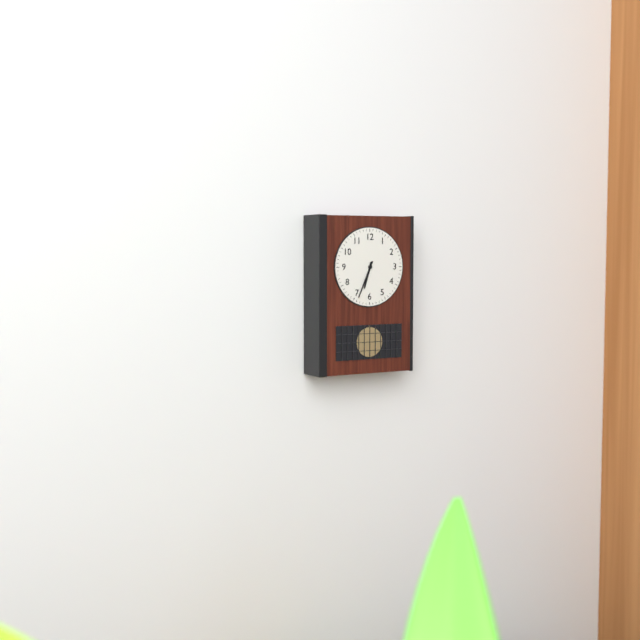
6,34
